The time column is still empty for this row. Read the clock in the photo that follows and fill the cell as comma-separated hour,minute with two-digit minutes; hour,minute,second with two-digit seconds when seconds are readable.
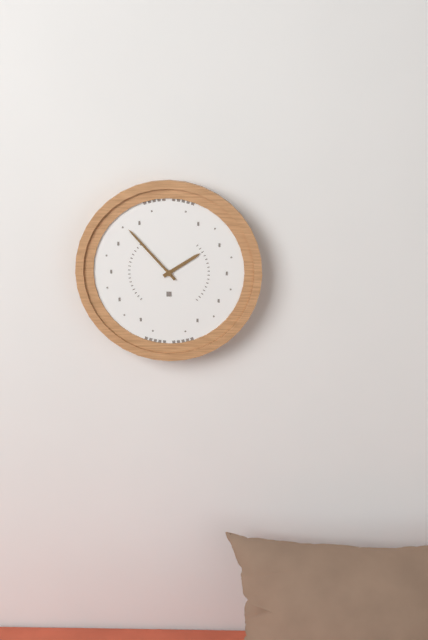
1,53
